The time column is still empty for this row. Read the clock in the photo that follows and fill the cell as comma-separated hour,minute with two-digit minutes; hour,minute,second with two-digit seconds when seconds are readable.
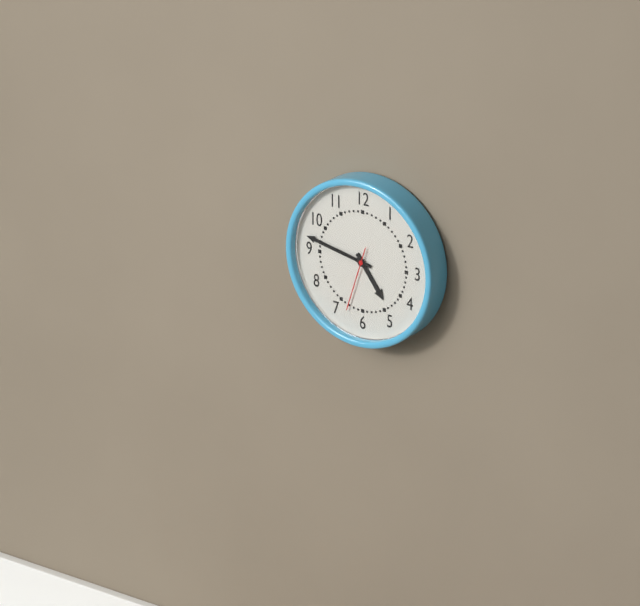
4,47,33
